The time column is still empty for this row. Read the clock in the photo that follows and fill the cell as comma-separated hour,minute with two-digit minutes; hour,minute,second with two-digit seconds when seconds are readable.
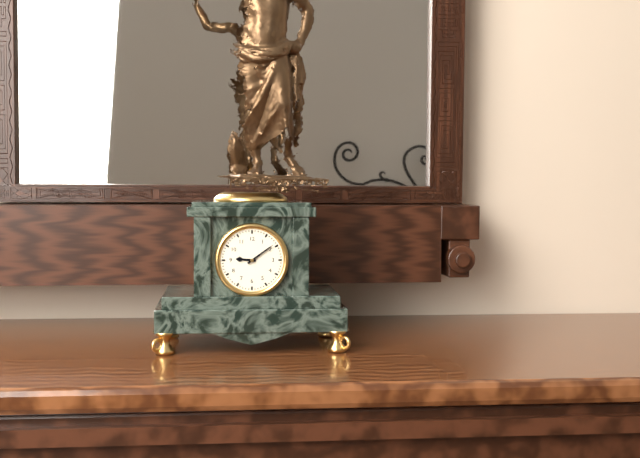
9,09
